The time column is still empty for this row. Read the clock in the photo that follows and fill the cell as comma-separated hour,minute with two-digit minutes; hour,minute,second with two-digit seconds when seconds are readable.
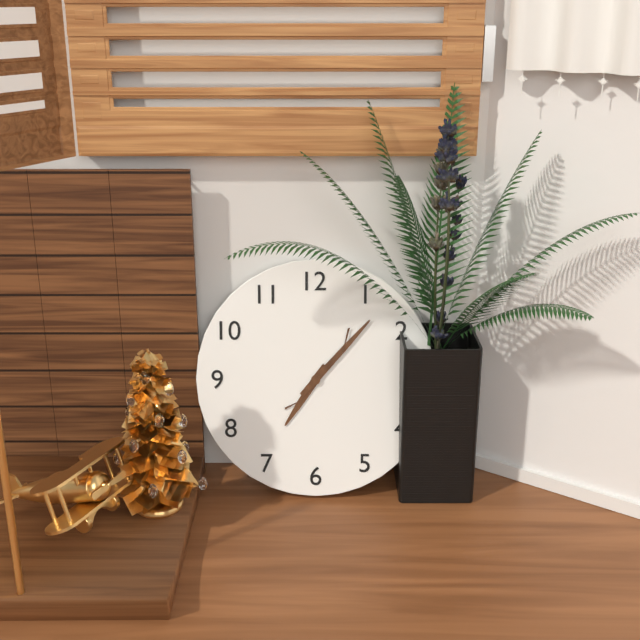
7,07
